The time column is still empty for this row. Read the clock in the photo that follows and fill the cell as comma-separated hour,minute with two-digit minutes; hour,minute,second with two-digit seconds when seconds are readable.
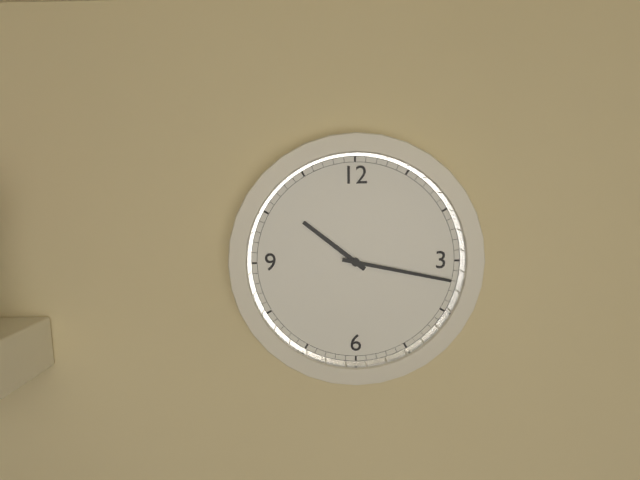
10,17
